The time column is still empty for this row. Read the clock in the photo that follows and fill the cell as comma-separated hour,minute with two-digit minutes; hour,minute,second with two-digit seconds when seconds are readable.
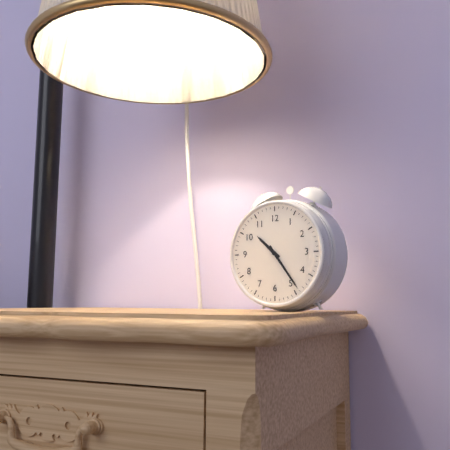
10,24
